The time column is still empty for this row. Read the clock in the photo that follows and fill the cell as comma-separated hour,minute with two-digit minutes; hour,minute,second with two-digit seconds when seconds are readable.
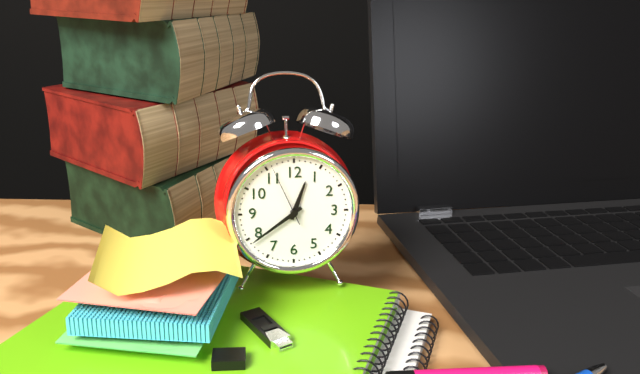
12,39,56
